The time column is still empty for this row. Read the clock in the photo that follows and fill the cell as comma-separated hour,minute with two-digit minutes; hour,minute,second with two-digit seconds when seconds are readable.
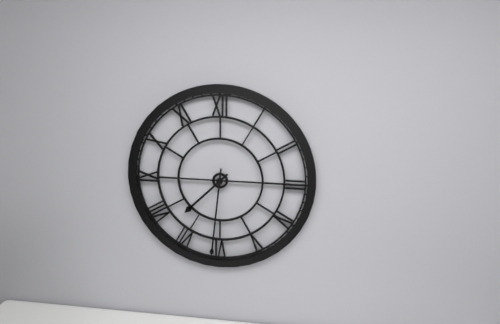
7,31
